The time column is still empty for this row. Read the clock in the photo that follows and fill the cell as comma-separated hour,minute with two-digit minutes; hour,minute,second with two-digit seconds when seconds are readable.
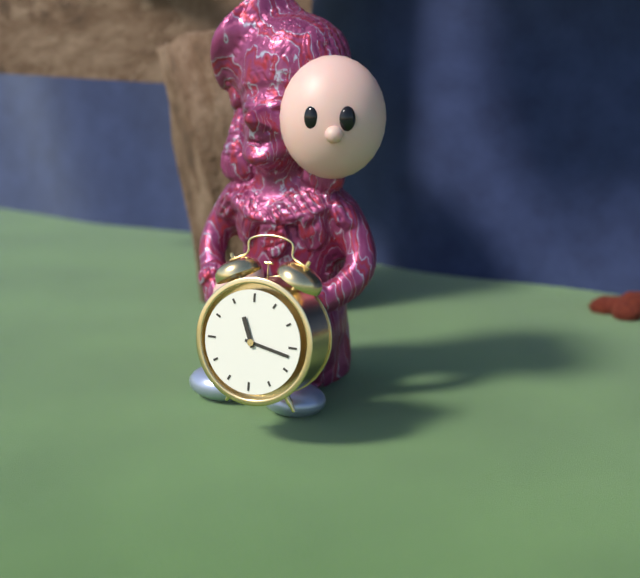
11,17
